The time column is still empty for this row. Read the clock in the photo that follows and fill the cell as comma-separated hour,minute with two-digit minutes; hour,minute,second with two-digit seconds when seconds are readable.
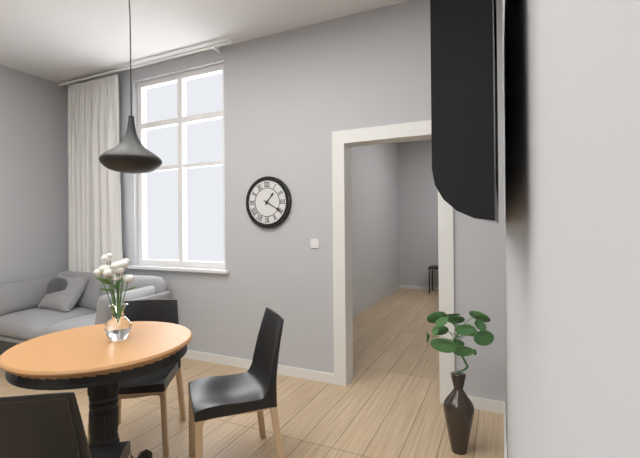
1,20
